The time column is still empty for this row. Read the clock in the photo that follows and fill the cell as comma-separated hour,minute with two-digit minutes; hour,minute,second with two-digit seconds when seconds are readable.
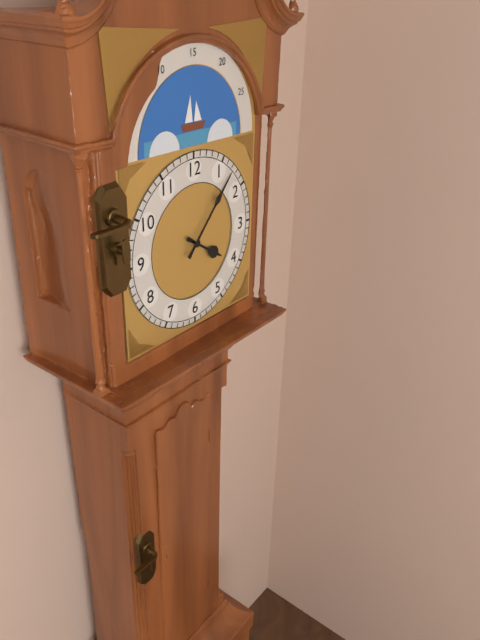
4,07
